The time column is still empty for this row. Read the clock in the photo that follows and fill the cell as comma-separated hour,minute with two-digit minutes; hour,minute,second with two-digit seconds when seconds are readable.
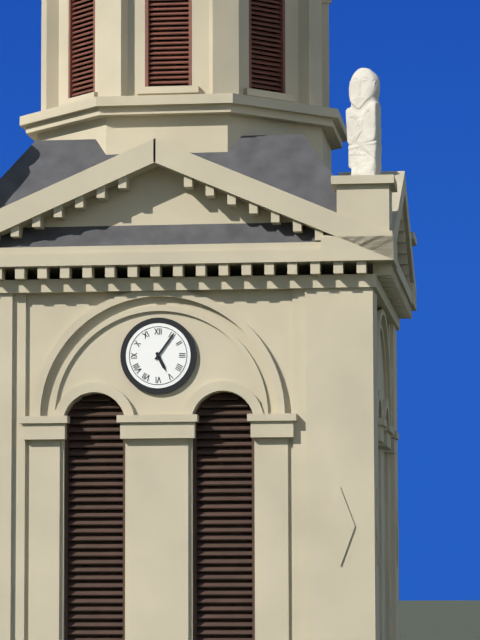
5,06
